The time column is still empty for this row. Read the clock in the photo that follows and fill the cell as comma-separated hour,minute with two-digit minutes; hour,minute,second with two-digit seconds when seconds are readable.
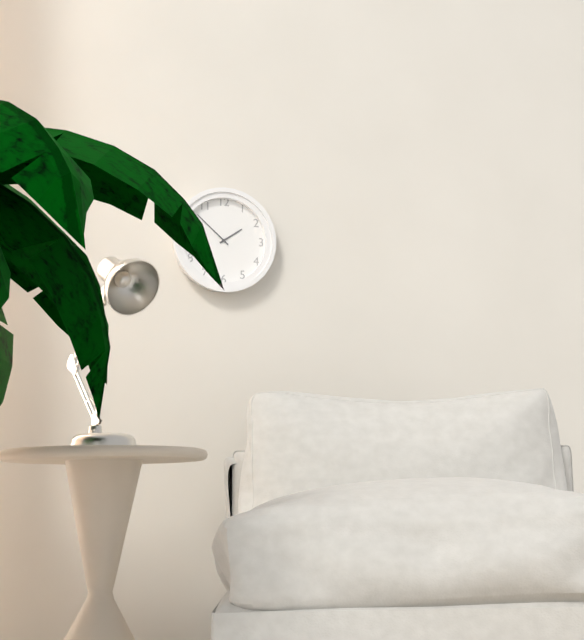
1,52
